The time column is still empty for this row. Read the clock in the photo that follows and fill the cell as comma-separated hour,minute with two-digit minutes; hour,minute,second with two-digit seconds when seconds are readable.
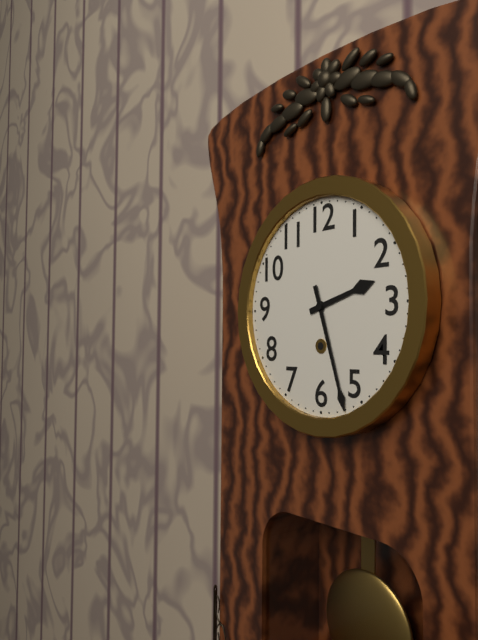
2,27
